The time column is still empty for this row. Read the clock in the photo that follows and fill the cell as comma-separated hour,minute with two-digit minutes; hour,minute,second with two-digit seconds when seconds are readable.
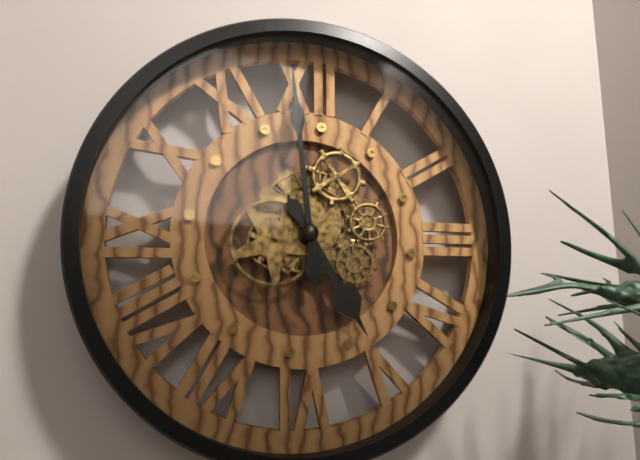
4,59
